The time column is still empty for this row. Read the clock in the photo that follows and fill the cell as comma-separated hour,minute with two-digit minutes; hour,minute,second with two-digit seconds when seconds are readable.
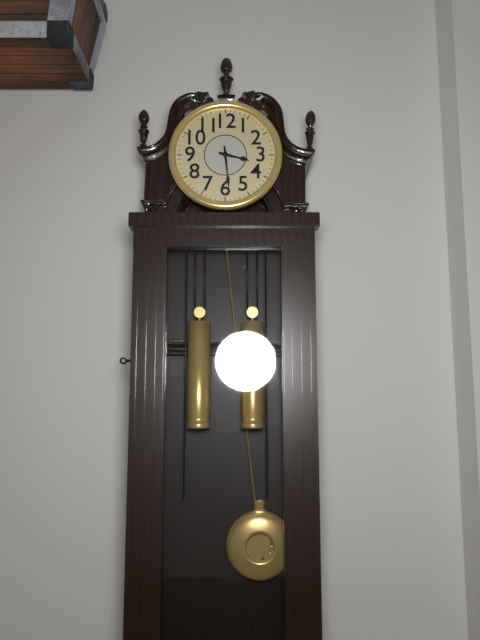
3,29
